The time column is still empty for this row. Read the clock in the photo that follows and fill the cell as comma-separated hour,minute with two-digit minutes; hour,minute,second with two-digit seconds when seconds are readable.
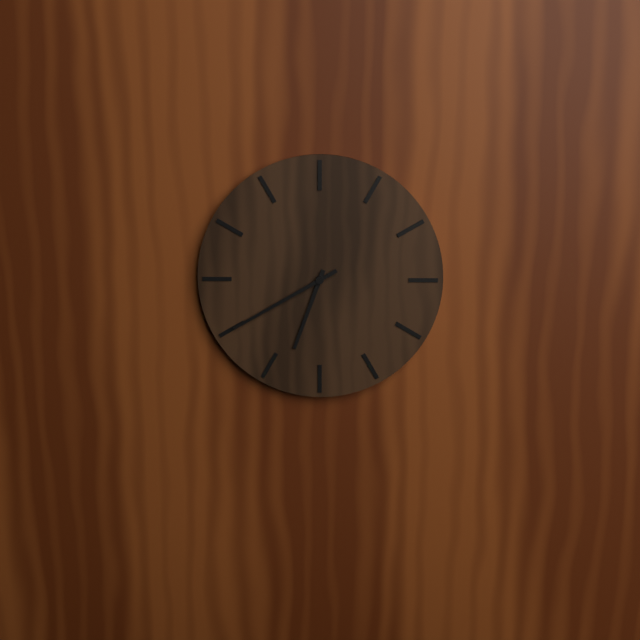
6,40
